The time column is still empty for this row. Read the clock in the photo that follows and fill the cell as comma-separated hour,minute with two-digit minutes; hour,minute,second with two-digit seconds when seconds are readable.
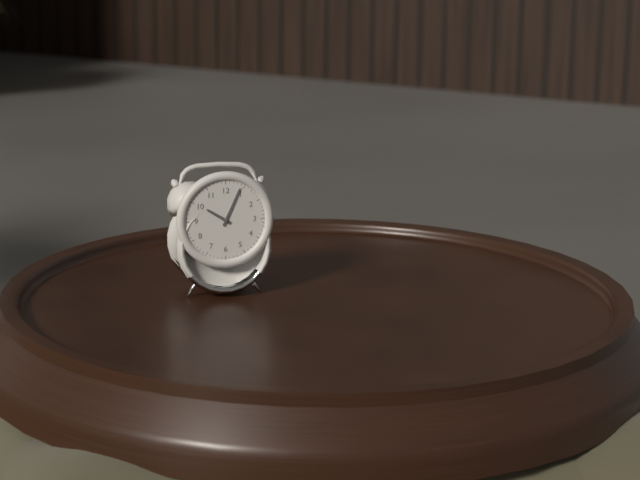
10,04
